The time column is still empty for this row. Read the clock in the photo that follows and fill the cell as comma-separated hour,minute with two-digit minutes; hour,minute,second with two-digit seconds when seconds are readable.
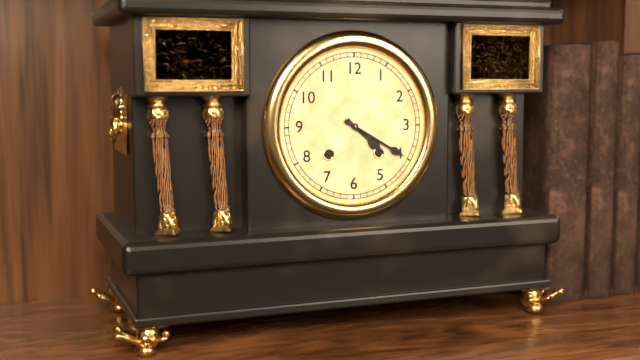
4,20
